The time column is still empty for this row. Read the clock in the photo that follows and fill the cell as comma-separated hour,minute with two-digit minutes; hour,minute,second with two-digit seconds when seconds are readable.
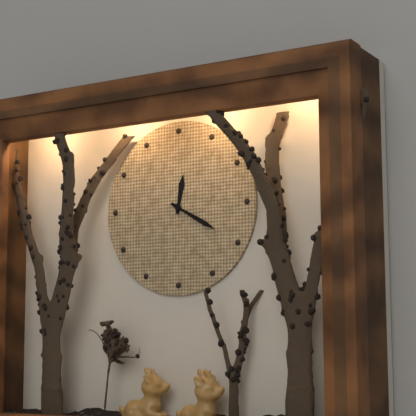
12,20
